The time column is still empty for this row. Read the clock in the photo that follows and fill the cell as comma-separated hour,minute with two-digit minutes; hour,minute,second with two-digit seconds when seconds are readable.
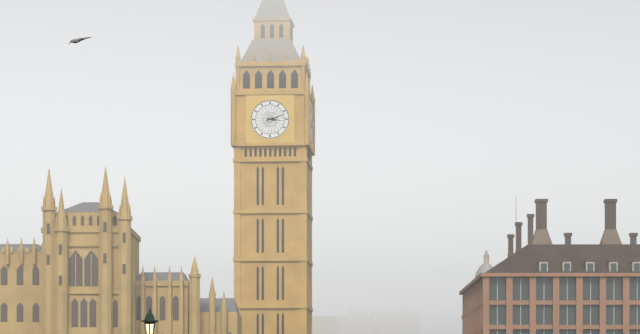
3,12
